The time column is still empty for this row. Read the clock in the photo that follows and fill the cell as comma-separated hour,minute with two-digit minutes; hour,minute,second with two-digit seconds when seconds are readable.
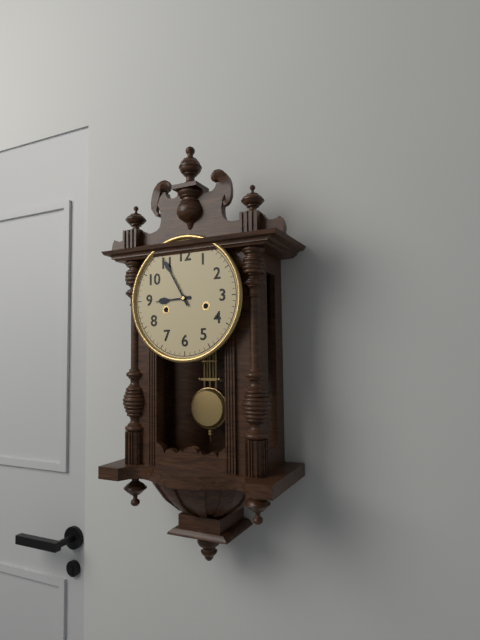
8,55
